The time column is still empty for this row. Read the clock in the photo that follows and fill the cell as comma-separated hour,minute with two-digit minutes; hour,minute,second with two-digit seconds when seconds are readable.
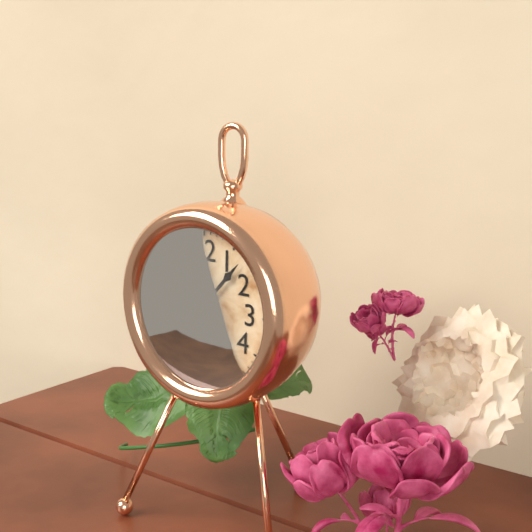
6,07
